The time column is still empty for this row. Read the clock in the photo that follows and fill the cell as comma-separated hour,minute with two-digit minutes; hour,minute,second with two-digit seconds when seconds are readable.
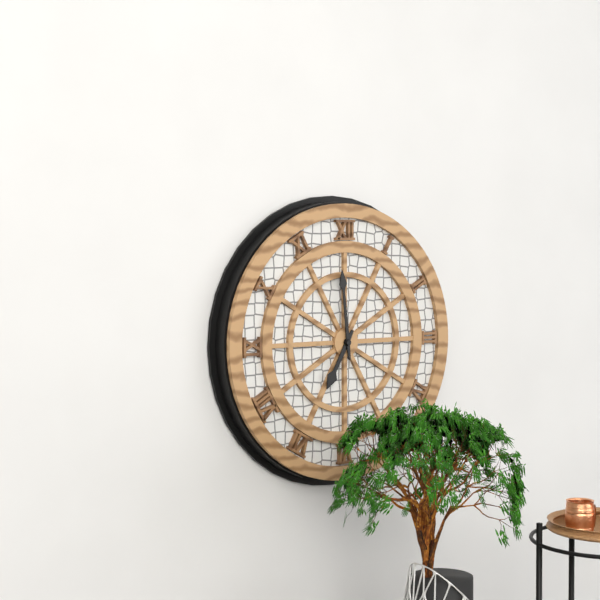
6,59
